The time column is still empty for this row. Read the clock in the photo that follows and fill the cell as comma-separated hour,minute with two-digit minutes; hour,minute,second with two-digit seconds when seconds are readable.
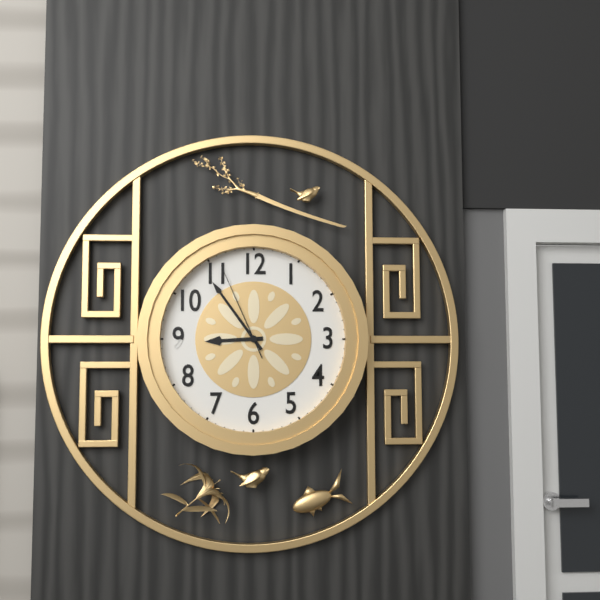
8,54,56
